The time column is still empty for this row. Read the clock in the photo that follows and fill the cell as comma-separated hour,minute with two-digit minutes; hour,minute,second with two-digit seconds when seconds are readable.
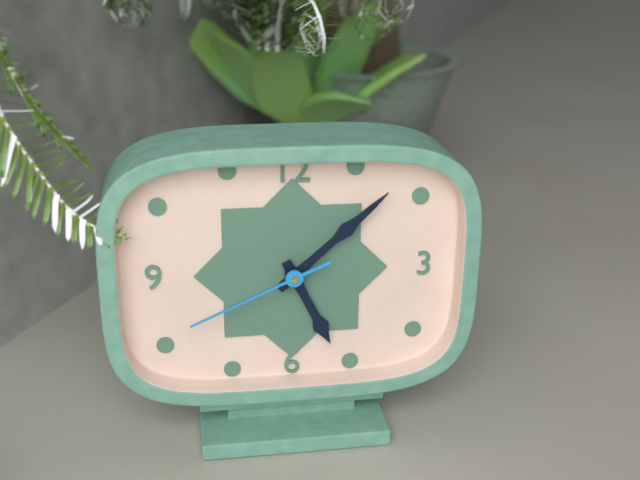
5,08,41
